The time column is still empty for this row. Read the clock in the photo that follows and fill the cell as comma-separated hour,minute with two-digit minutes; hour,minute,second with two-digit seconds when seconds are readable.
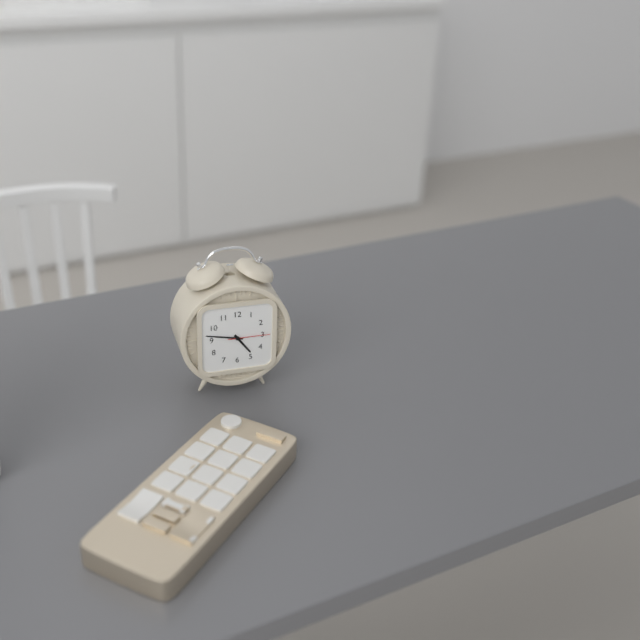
4,47
